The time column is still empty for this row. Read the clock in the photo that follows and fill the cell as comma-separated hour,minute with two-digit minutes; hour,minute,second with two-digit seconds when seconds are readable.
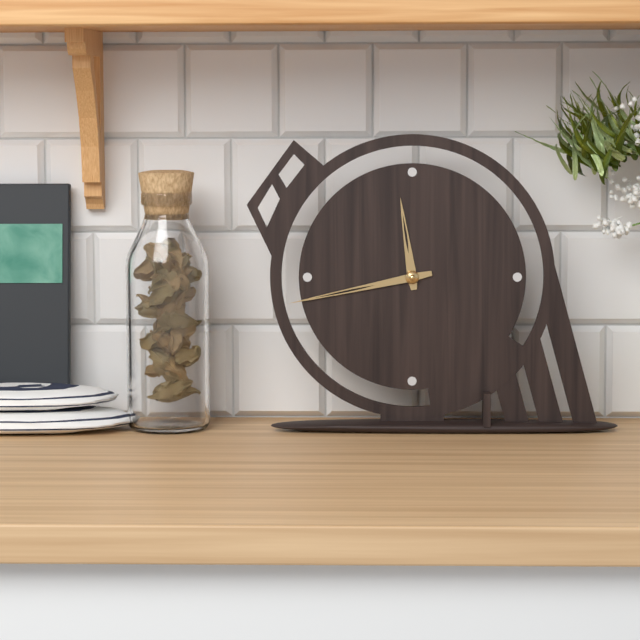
11,43
